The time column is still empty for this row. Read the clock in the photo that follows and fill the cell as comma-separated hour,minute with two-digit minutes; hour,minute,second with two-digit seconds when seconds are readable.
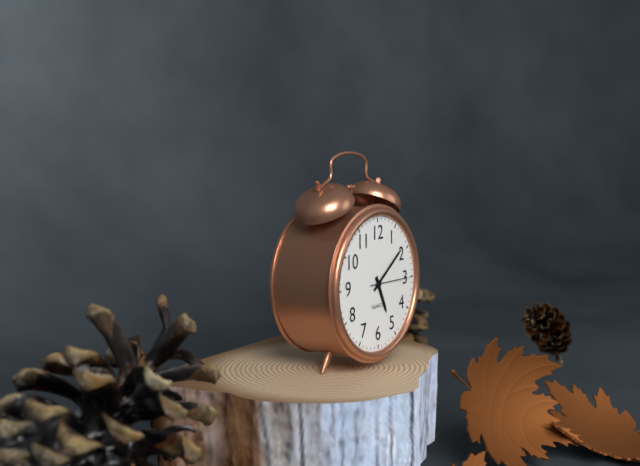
5,09
